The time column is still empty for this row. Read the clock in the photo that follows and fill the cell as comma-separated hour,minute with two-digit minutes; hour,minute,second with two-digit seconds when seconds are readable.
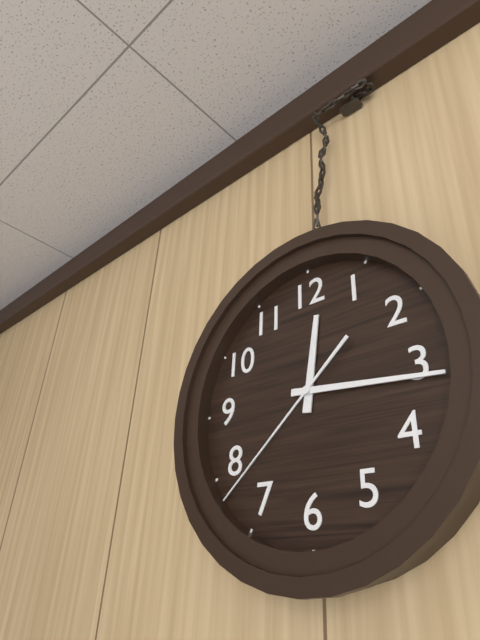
12,16,38
